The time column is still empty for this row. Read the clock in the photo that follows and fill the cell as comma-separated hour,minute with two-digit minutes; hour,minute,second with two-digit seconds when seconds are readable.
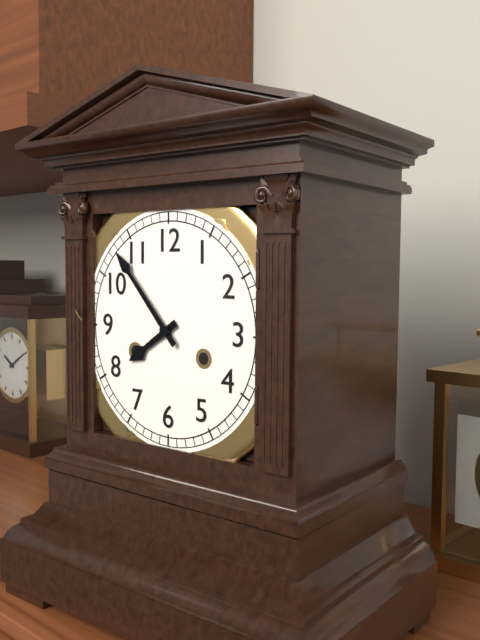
7,53
